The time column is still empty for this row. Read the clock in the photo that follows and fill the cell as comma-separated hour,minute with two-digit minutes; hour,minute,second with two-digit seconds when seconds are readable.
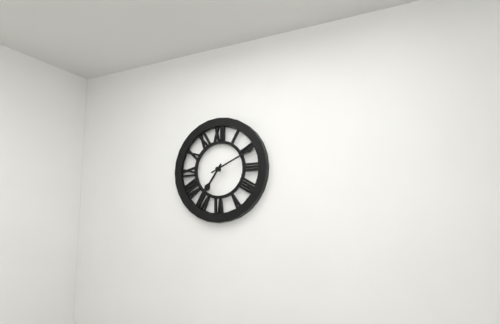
7,11
